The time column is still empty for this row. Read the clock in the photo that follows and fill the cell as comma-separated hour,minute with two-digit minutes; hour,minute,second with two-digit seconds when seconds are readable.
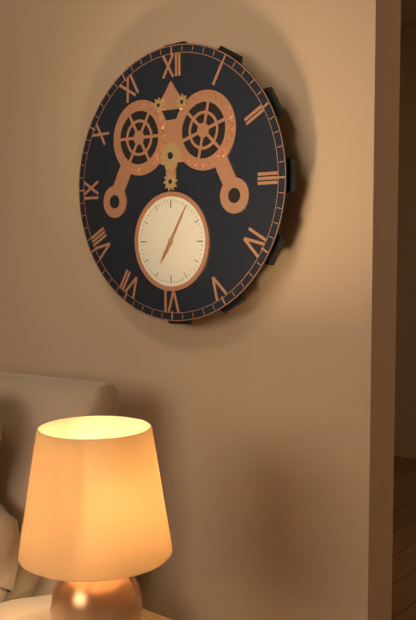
7,05
